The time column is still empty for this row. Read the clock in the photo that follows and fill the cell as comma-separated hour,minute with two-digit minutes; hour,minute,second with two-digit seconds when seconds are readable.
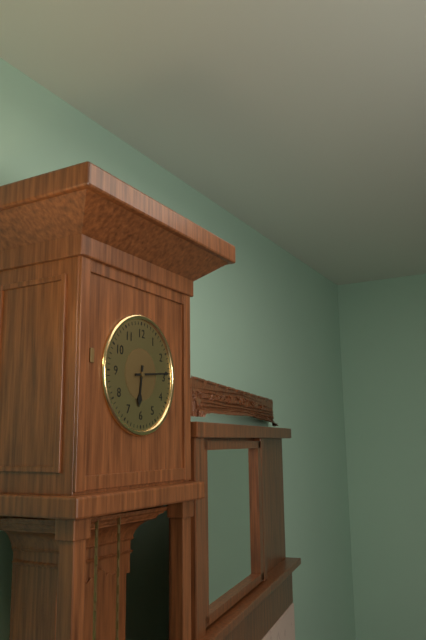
6,14
